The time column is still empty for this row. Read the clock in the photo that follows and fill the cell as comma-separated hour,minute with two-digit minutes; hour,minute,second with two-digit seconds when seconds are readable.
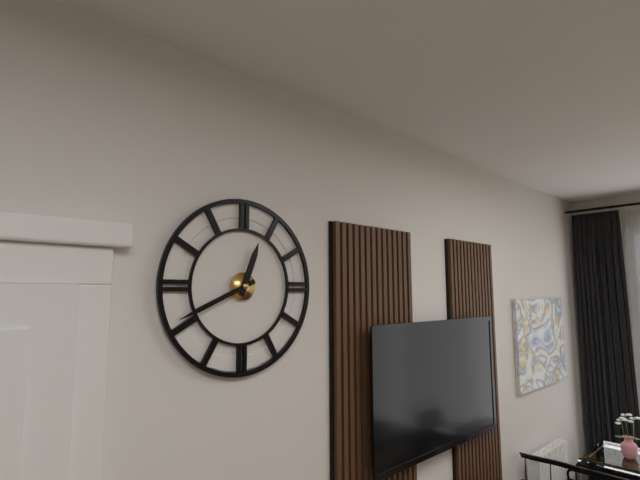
12,41
